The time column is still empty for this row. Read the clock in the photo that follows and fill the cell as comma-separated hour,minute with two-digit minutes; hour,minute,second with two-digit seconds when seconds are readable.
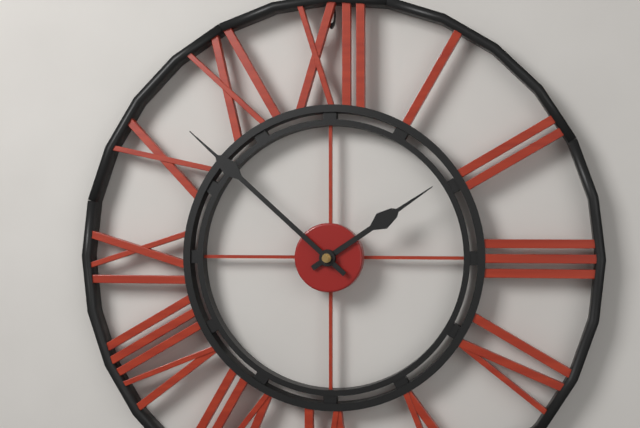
1,52
